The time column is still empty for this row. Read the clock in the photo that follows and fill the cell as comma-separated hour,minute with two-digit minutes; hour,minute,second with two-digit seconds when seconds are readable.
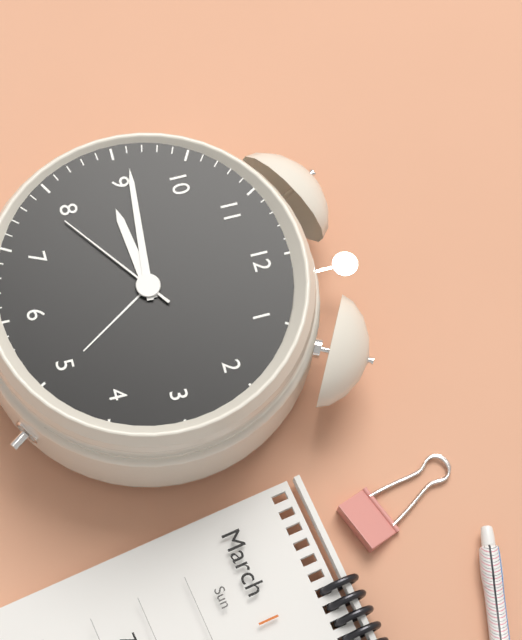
8,46,39
